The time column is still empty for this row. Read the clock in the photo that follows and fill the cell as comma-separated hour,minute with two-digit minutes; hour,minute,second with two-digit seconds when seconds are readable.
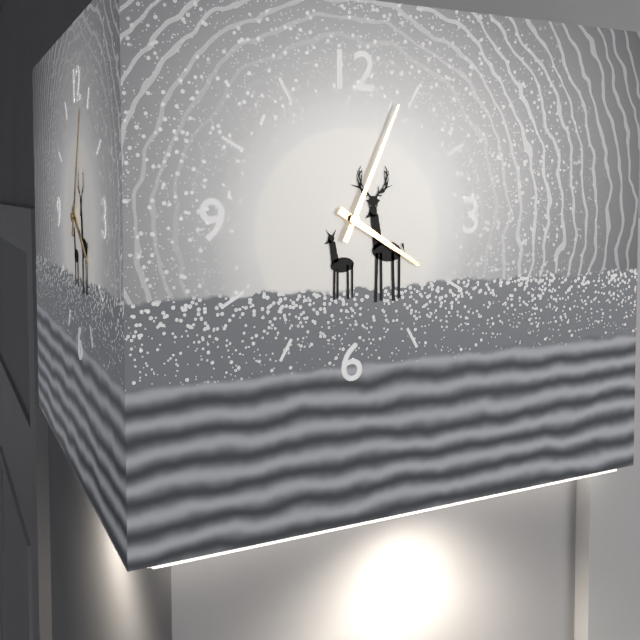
4,04
